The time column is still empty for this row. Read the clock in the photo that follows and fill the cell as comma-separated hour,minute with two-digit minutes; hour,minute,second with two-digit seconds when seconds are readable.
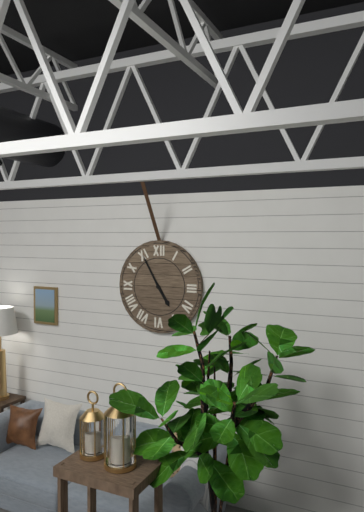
4,55
